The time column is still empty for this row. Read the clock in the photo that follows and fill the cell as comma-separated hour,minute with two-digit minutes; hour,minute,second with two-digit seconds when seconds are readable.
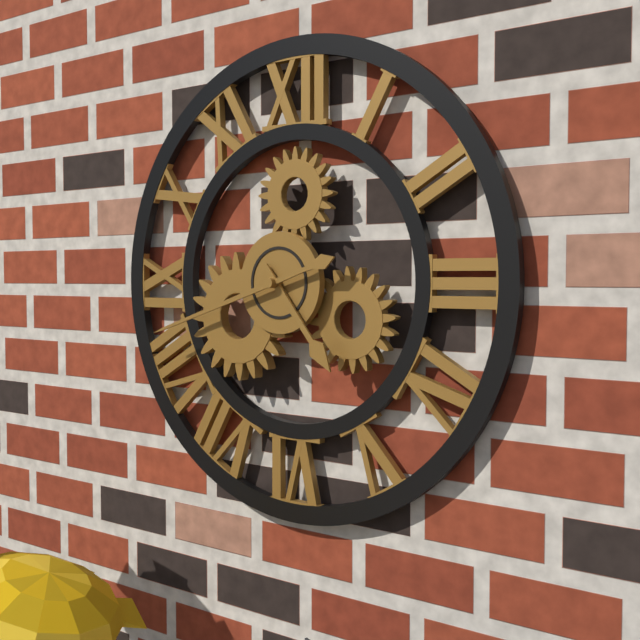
4,42
